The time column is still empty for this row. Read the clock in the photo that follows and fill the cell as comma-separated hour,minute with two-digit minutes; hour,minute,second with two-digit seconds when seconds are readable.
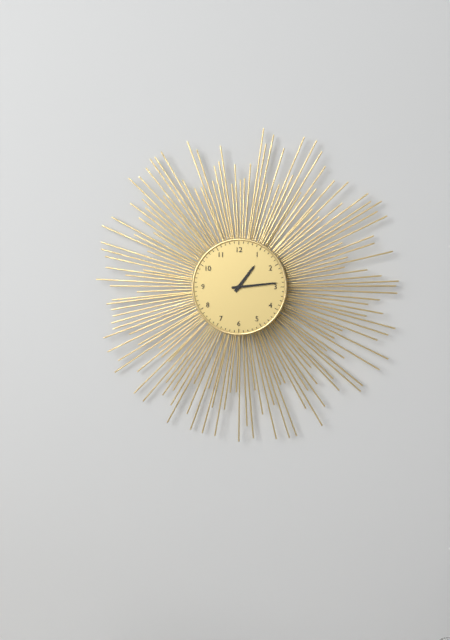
1,14
